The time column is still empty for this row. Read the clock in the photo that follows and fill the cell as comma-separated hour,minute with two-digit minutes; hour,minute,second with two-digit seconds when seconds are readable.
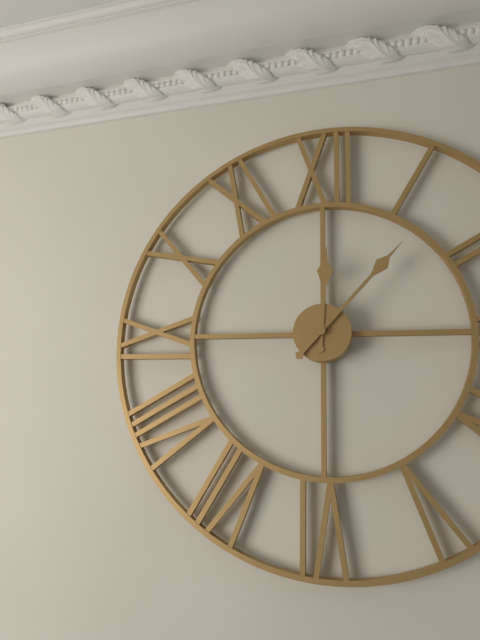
12,07
